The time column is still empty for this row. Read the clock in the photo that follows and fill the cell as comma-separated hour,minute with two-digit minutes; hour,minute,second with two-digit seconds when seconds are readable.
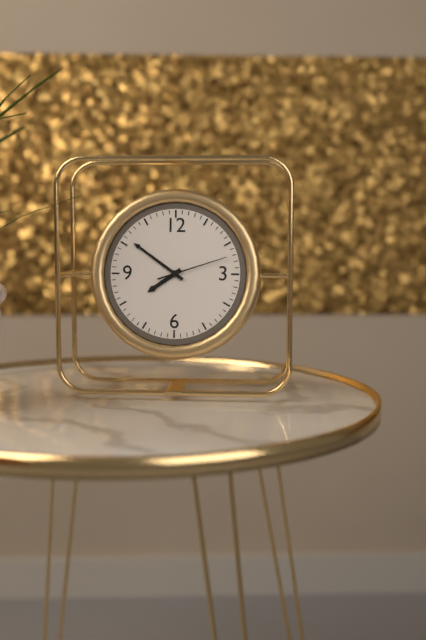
7,51,12
